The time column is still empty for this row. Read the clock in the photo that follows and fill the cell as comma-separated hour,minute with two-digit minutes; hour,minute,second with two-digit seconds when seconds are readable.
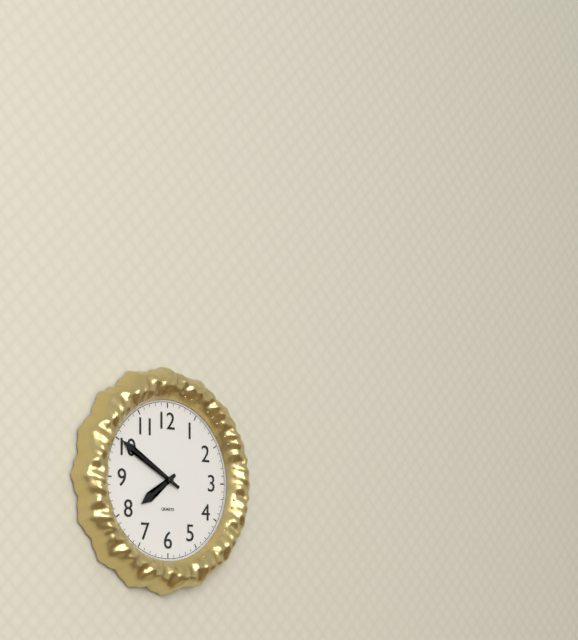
7,50
